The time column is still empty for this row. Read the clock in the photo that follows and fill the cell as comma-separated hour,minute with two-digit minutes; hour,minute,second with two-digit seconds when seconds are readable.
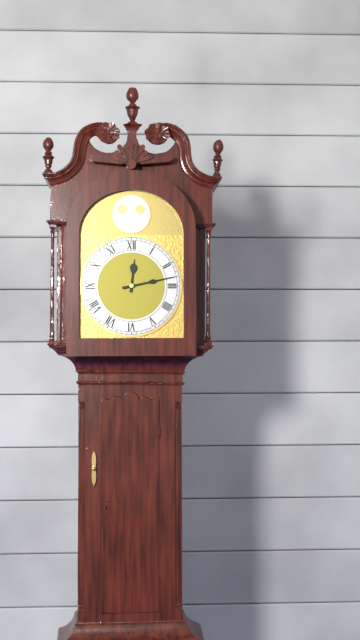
12,13
